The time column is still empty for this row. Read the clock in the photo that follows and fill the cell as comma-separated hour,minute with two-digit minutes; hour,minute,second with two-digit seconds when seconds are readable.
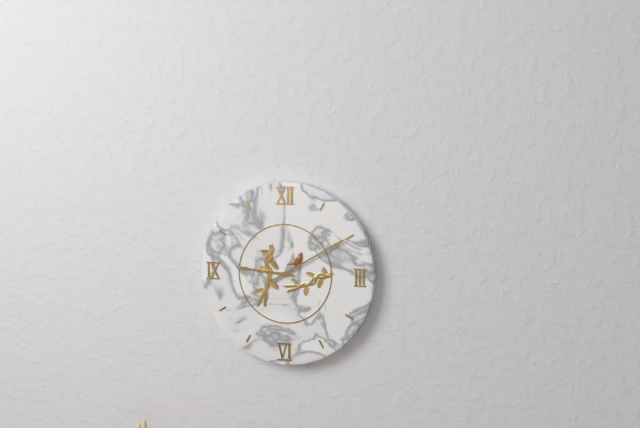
9,10
